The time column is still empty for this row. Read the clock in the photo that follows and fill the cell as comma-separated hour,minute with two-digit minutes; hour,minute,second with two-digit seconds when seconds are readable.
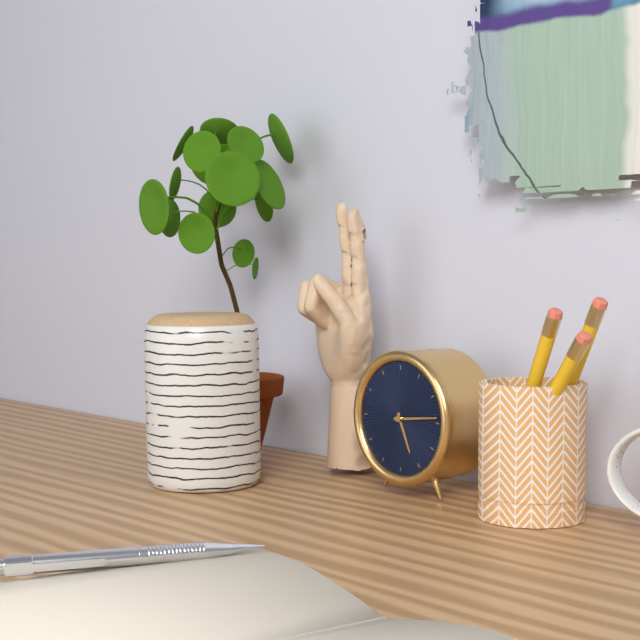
5,14
